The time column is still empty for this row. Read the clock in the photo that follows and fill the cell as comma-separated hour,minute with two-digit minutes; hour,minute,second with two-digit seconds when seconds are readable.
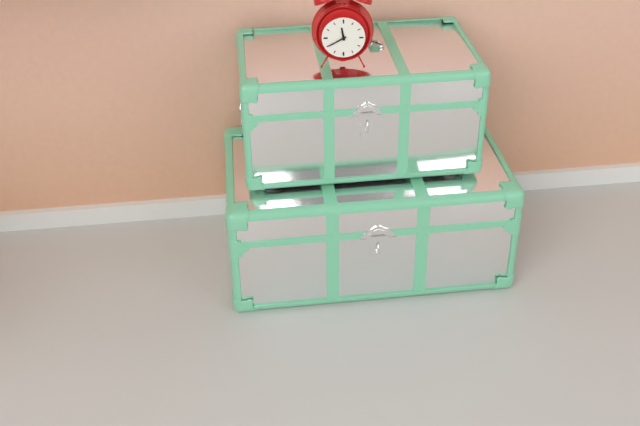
11,40
